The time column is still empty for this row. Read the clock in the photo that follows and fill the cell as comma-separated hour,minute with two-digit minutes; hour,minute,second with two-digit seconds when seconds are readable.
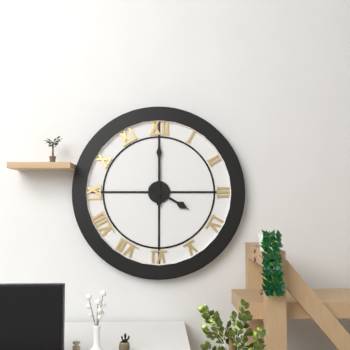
4,00
